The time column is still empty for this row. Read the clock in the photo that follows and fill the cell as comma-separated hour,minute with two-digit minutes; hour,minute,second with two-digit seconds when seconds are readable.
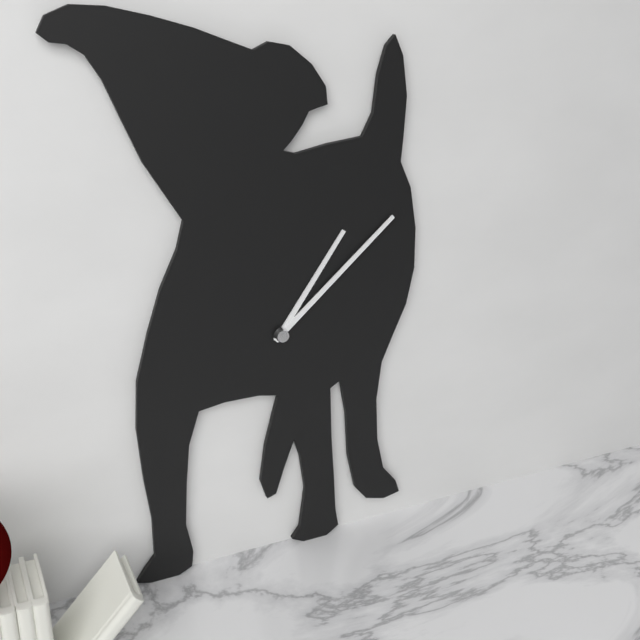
1,08
